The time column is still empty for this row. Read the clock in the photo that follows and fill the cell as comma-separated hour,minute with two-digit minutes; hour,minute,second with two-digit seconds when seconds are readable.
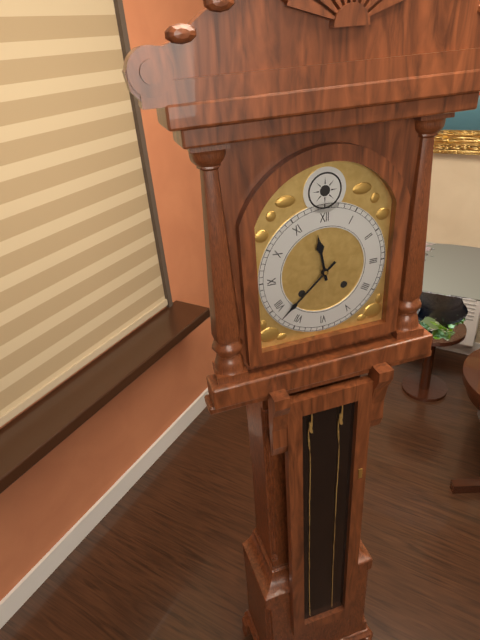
11,38
